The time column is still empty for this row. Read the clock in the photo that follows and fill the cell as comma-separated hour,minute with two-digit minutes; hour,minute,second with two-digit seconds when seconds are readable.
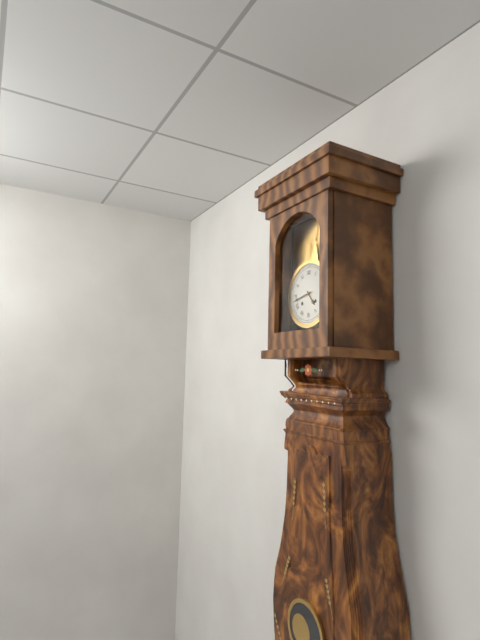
4,43
